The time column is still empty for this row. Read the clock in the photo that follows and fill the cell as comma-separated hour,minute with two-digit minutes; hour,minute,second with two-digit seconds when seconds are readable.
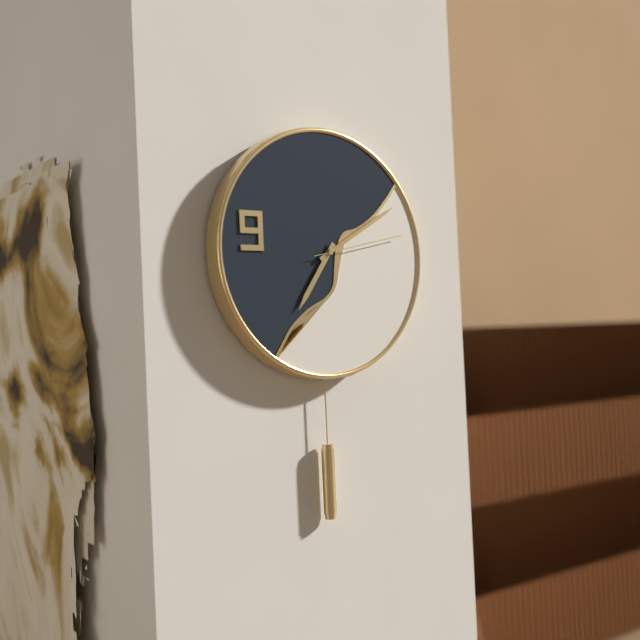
7,10,13
